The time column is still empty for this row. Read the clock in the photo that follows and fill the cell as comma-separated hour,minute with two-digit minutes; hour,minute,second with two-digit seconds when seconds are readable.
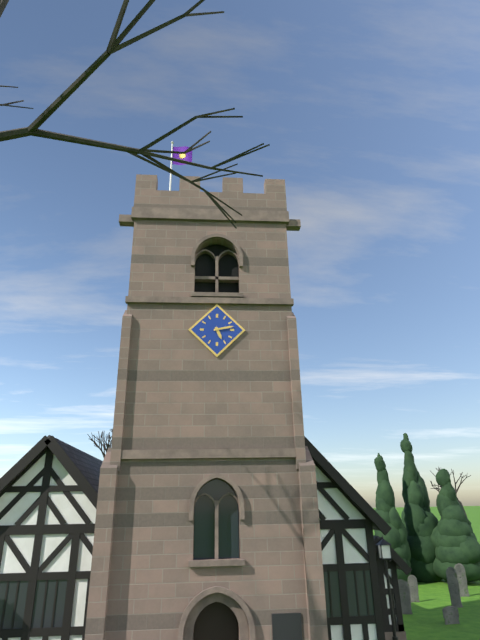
5,13
